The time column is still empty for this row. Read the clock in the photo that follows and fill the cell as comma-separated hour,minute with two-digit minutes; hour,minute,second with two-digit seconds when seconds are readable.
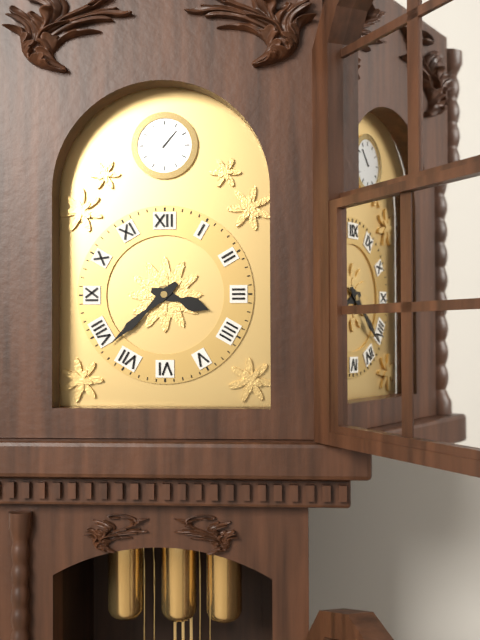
3,38
